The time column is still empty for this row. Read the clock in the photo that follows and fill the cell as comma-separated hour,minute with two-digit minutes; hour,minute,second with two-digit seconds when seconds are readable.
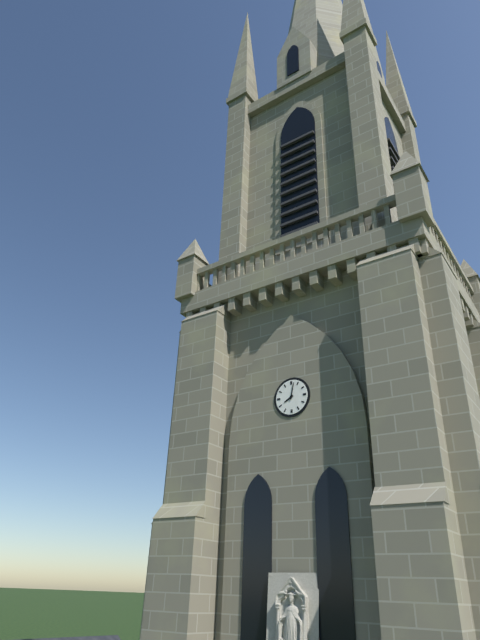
8,02
